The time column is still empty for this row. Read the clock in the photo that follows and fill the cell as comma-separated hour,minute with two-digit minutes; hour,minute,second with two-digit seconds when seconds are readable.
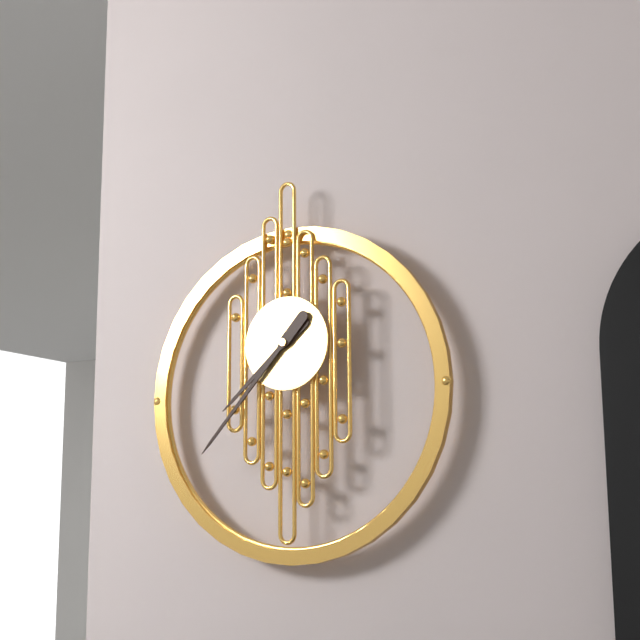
7,37
